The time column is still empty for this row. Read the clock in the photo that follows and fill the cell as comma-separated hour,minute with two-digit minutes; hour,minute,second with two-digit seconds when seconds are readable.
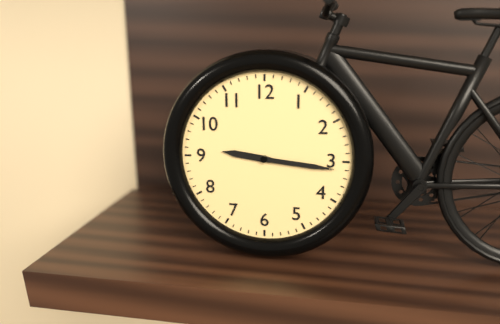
9,16
